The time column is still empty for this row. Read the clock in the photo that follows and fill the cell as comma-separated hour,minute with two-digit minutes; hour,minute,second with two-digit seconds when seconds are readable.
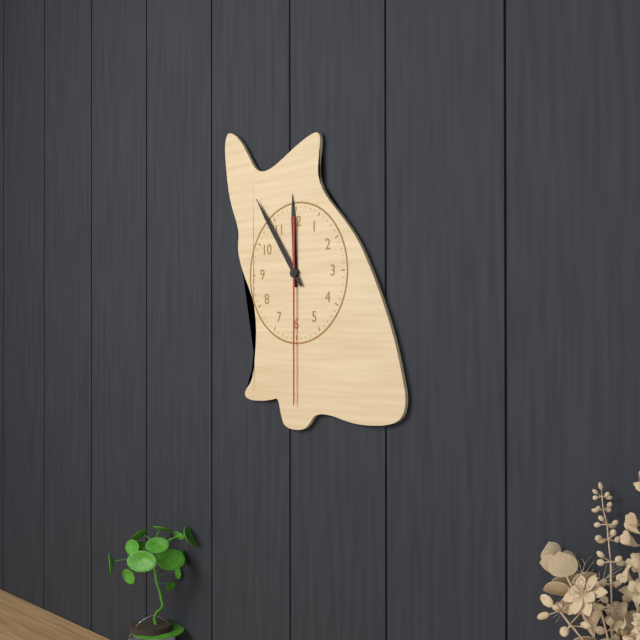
11,54,30
